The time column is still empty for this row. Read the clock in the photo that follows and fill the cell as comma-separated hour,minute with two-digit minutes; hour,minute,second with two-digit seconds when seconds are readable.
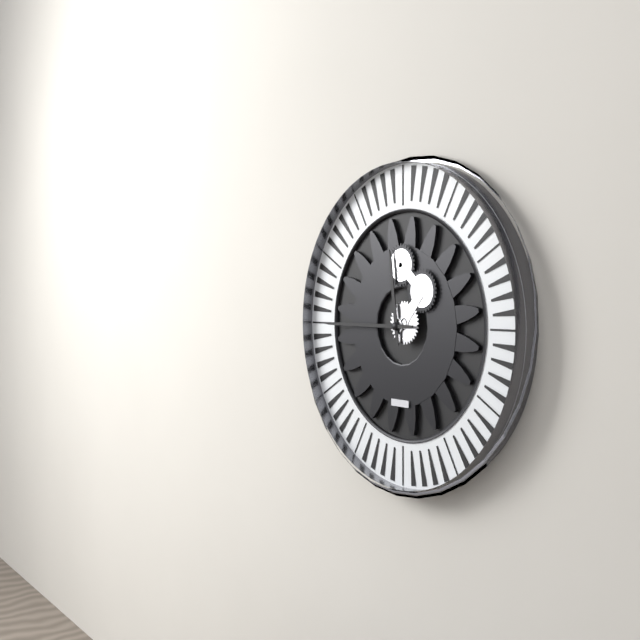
11,45
